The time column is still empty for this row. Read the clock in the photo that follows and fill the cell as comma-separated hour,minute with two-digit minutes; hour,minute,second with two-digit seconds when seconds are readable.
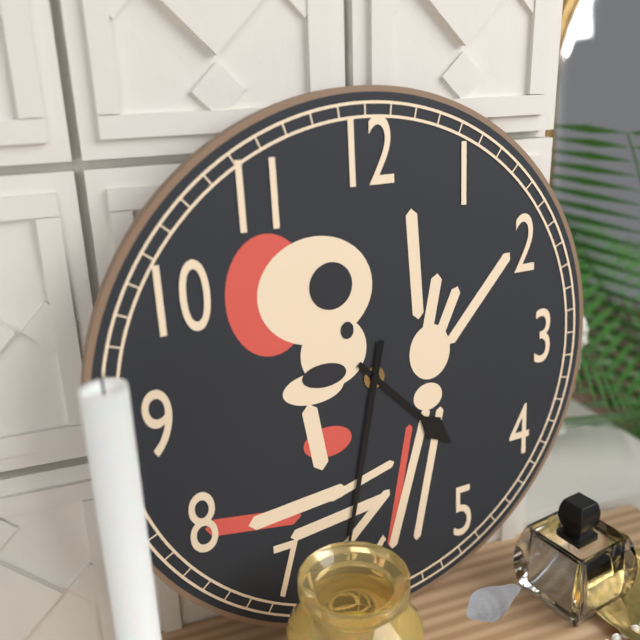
4,32
